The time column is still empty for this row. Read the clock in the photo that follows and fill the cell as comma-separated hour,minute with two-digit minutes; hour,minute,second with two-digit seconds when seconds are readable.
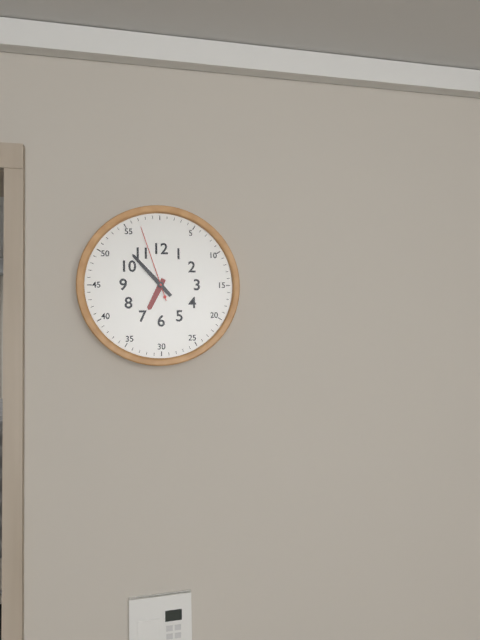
6,53,57
